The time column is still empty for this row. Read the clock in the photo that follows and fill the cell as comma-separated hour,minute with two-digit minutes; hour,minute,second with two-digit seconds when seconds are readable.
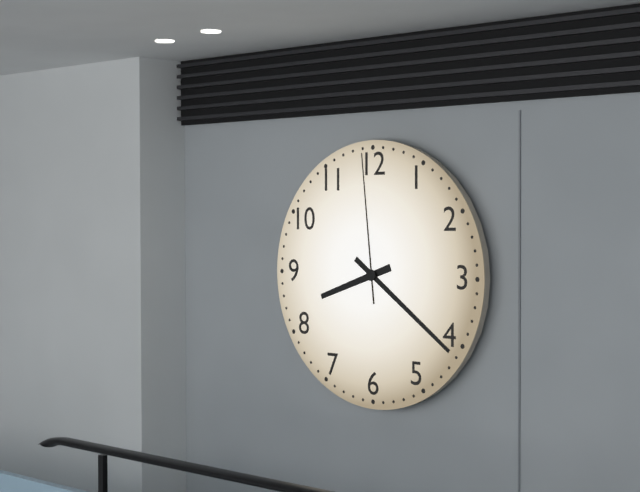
8,21,59
